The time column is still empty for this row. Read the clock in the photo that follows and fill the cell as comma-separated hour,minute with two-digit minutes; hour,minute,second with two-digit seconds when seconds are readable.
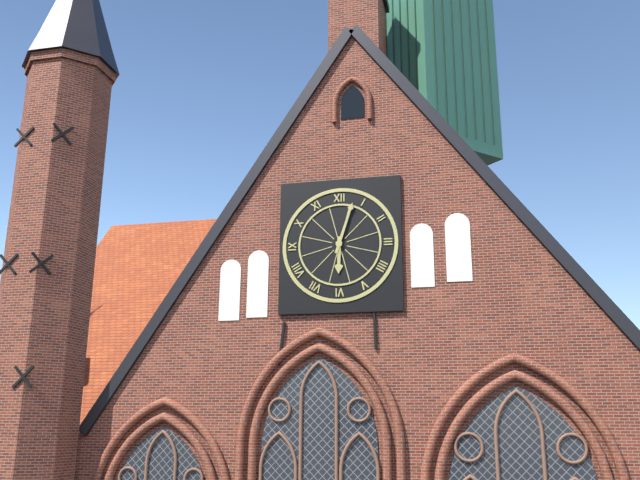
6,03
